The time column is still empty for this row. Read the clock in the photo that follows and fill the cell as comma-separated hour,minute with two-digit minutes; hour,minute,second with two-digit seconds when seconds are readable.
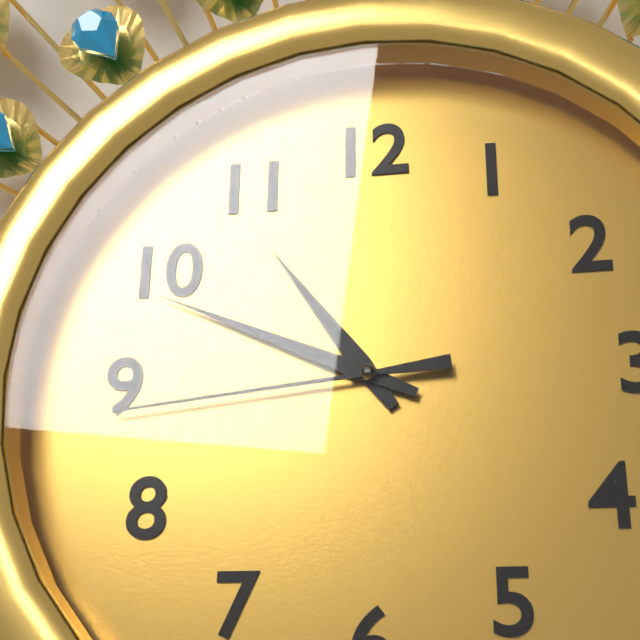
10,49,44
